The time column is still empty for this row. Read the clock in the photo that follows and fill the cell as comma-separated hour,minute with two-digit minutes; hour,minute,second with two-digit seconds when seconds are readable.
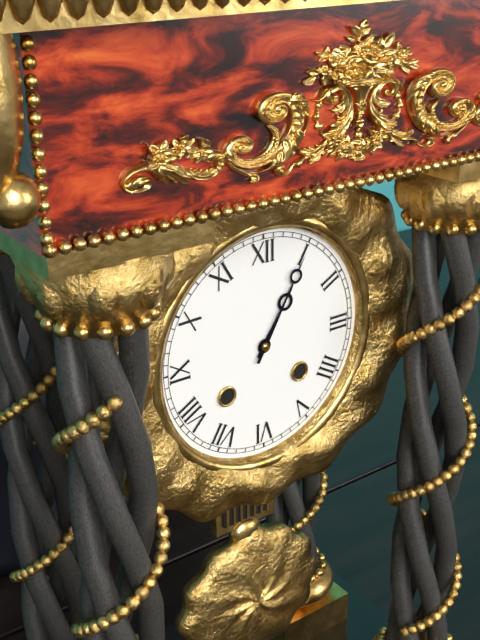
1,05
